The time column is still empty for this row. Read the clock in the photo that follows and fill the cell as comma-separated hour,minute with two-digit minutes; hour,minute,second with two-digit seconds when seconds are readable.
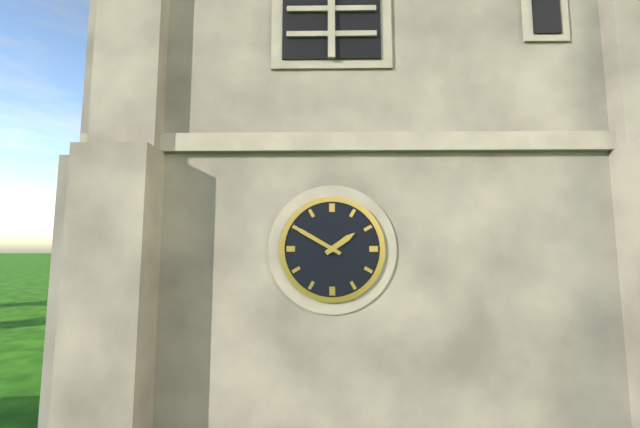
1,50
